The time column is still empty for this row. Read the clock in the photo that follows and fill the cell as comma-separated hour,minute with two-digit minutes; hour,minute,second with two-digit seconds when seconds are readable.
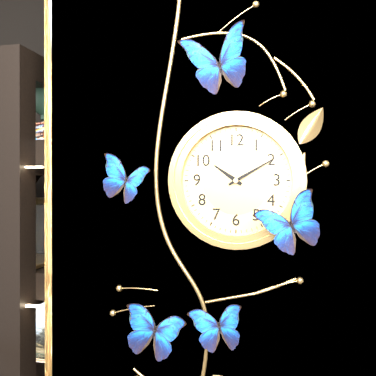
10,10
